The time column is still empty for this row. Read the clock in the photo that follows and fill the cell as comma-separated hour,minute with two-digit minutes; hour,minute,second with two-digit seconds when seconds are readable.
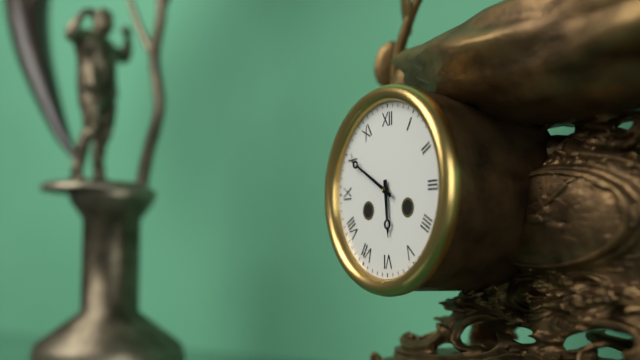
5,50
